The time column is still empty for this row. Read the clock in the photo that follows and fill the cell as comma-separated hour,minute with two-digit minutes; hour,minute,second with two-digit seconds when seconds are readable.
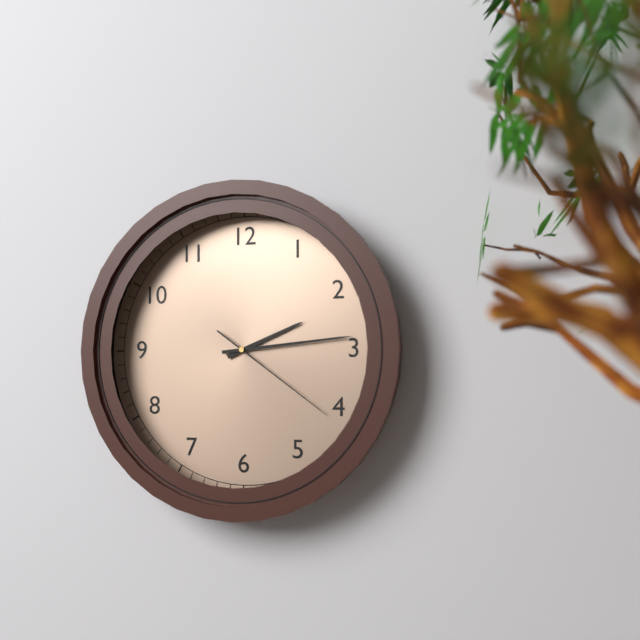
2,14,21
